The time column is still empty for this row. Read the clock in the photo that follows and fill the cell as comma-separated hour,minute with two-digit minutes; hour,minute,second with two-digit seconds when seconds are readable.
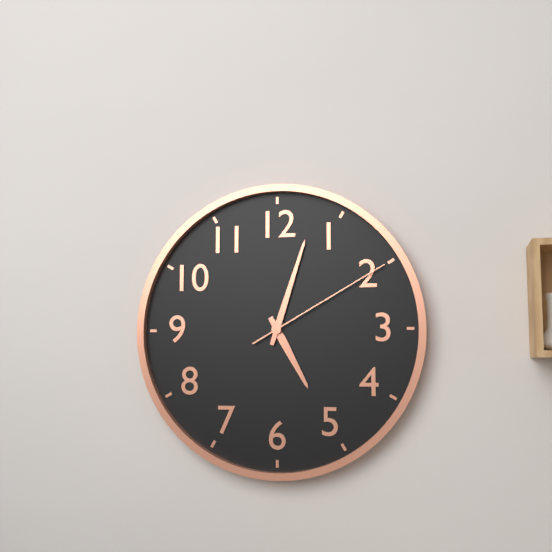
5,03,10
